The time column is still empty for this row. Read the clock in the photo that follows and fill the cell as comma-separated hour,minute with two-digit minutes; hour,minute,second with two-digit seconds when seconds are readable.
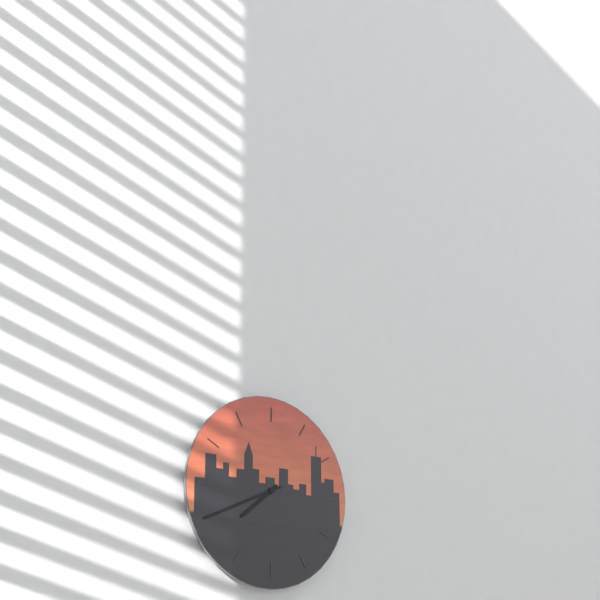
7,41
